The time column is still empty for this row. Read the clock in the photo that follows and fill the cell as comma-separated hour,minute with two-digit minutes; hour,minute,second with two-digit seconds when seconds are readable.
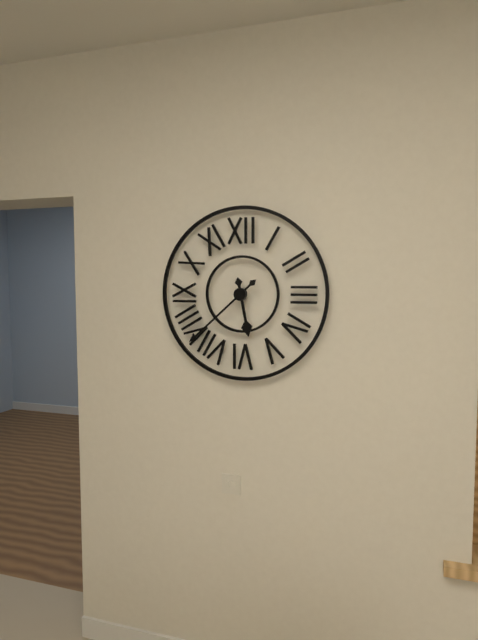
5,38
